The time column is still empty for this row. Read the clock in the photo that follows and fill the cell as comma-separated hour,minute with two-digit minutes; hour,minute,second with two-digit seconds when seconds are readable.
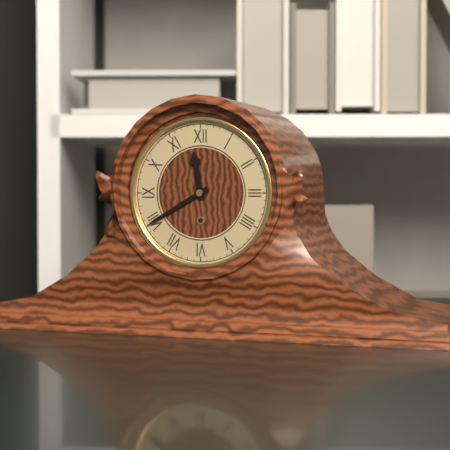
11,40
